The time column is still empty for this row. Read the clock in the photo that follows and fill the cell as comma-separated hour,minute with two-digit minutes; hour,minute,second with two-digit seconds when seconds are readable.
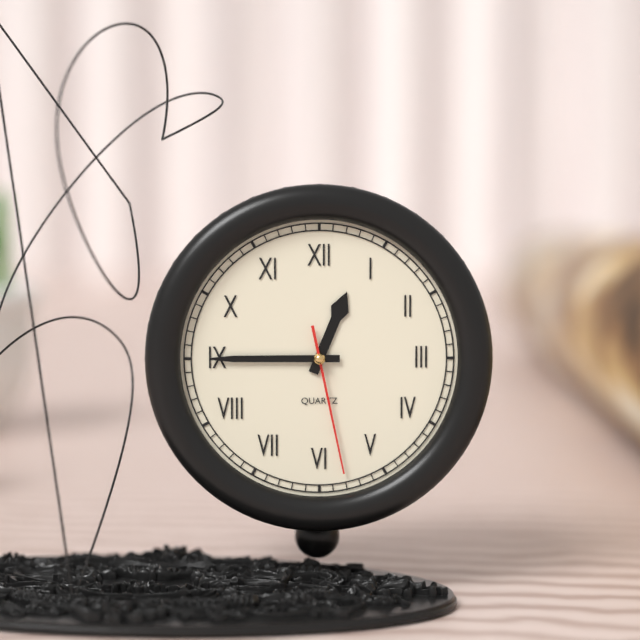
12,45,28
